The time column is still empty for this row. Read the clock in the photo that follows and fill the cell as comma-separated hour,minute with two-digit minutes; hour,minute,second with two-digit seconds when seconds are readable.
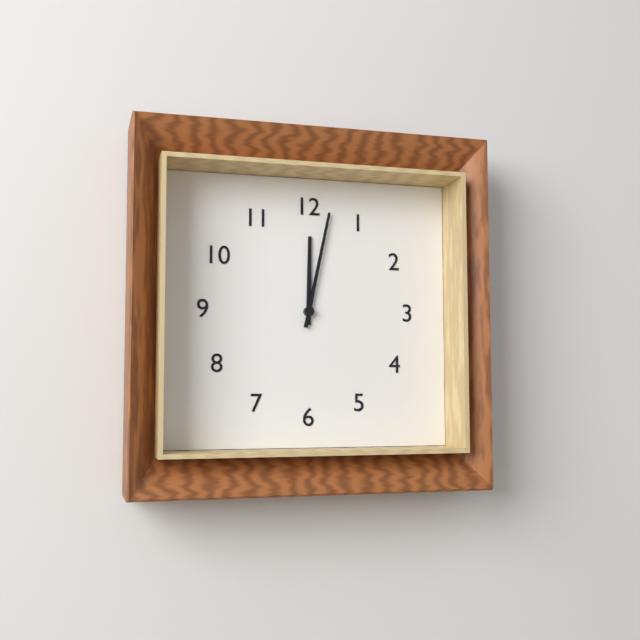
12,02
